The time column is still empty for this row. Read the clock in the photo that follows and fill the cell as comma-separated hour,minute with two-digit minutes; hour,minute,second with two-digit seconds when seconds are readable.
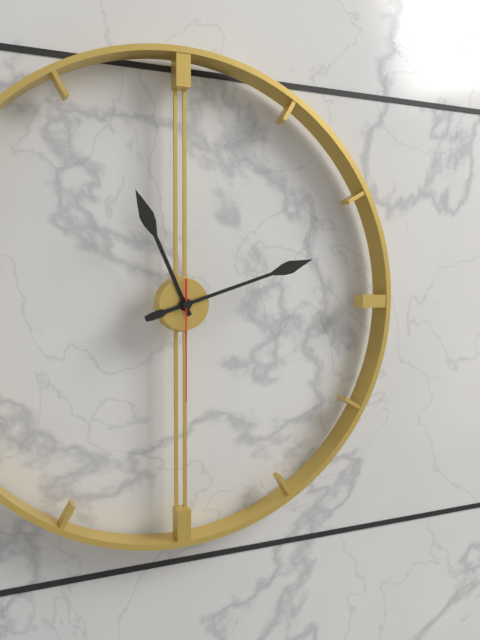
11,12,30
